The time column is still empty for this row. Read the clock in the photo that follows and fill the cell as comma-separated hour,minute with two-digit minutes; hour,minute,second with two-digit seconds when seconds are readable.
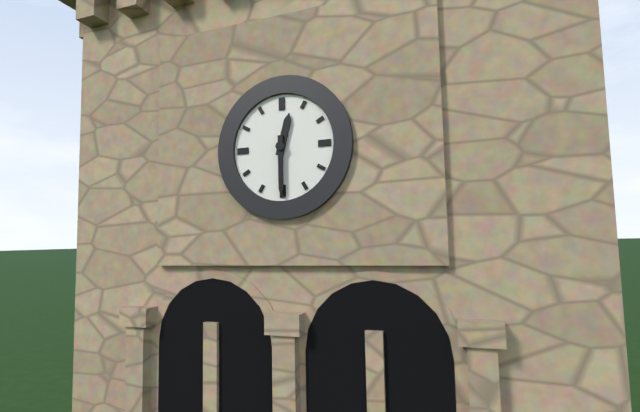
12,30
